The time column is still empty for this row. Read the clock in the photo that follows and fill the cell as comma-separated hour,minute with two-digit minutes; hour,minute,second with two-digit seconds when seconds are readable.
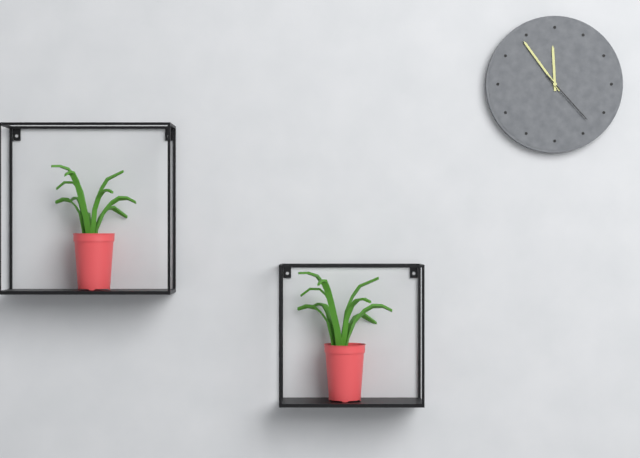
11,54,23
